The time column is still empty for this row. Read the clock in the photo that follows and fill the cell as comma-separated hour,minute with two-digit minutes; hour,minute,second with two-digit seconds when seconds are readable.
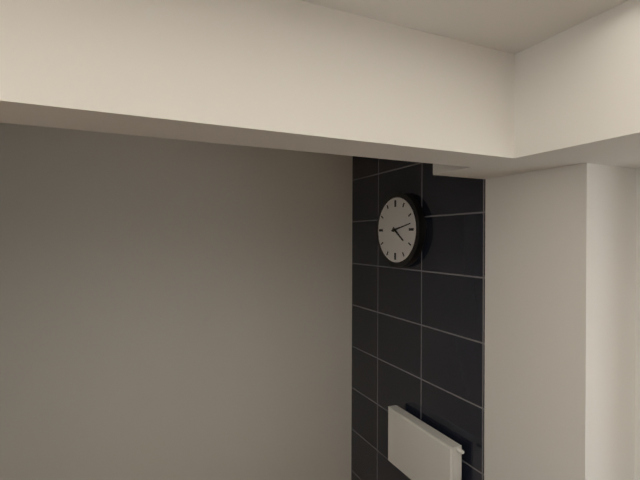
4,13
